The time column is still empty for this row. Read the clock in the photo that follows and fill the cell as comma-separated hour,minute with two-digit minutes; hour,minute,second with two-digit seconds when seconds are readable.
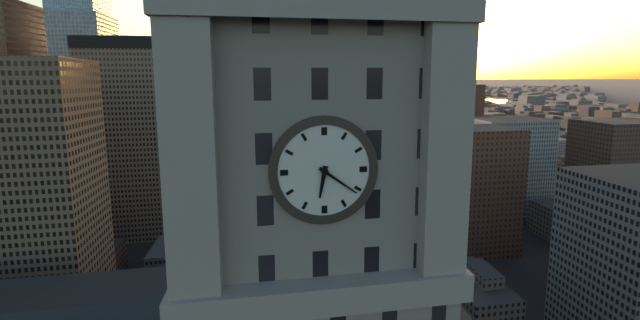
6,21
